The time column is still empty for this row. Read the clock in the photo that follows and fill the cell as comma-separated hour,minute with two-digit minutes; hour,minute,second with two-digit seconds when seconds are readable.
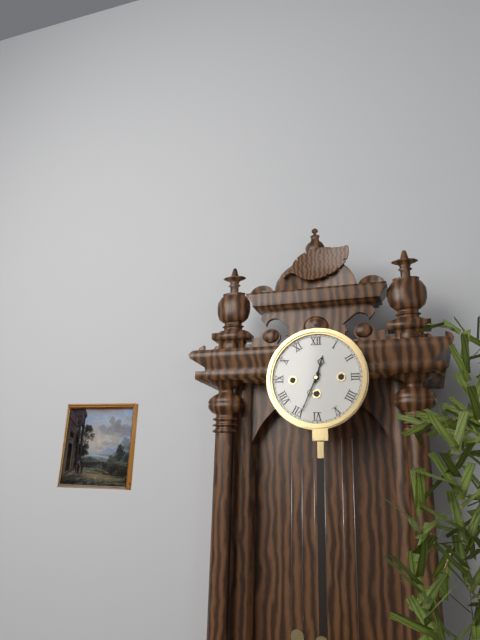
12,34
